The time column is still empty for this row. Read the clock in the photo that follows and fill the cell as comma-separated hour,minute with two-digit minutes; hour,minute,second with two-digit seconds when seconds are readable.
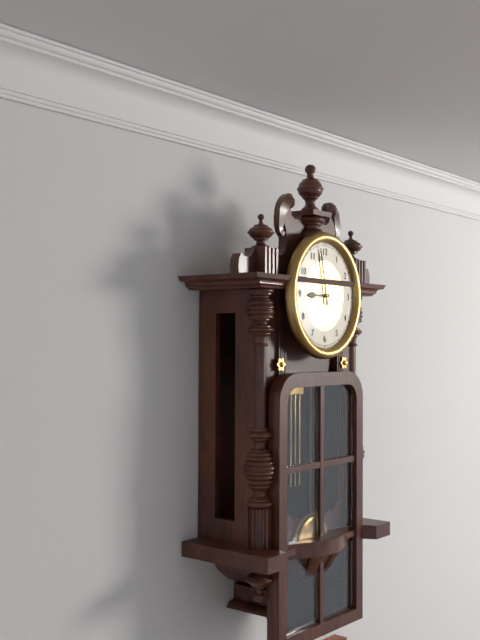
8,58
